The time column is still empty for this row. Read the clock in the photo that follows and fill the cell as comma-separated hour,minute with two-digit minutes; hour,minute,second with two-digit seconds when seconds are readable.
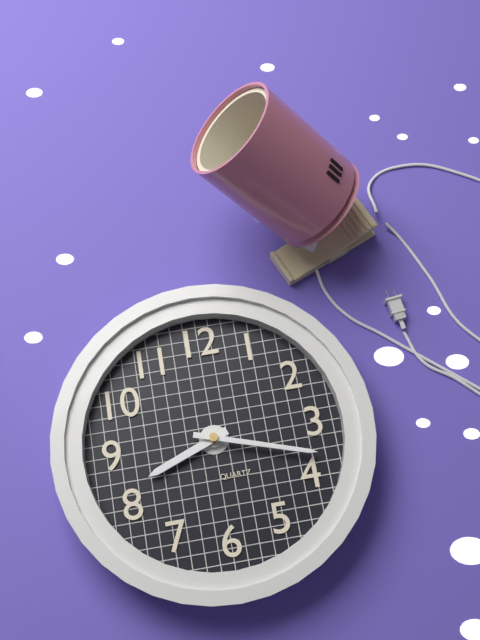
8,18
